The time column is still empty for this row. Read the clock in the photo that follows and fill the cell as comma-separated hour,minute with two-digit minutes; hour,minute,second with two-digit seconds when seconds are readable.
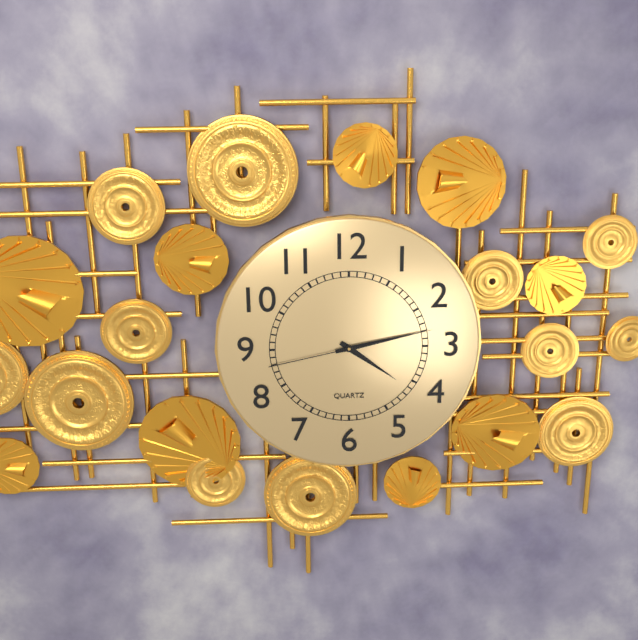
4,13,43
